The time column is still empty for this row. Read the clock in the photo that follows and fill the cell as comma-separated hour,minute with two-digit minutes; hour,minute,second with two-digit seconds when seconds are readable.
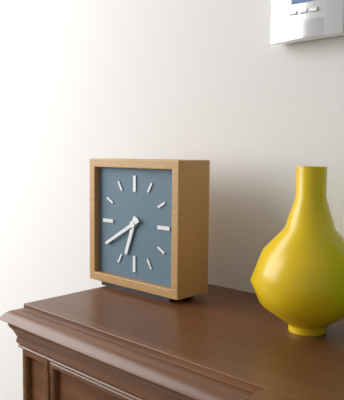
6,40
